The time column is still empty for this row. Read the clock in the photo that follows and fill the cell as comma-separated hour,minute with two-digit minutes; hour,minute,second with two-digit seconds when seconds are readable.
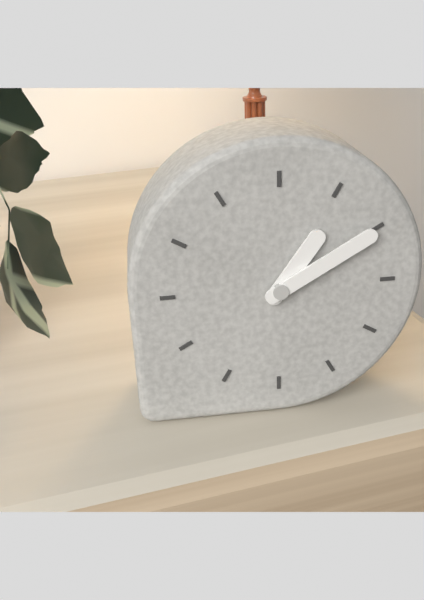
1,10
